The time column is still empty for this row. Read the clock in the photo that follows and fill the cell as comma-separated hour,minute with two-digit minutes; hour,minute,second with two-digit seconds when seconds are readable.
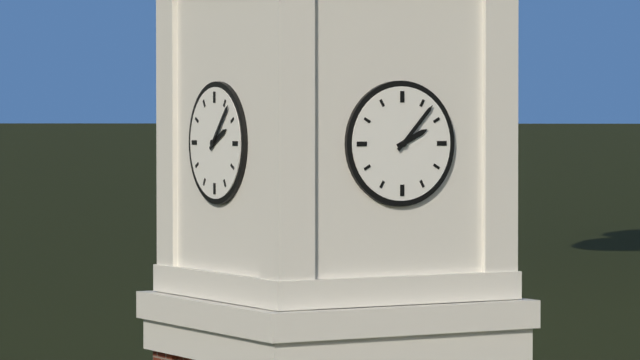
2,07
